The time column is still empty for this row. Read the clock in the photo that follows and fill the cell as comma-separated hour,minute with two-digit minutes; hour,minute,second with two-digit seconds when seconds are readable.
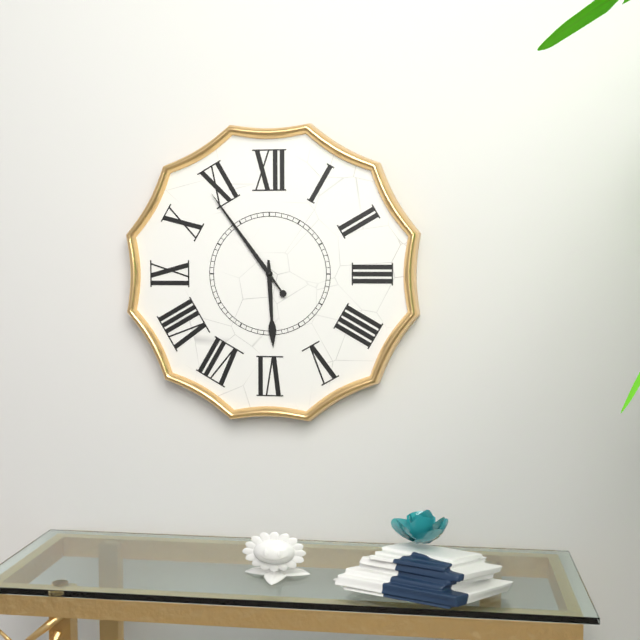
5,54
